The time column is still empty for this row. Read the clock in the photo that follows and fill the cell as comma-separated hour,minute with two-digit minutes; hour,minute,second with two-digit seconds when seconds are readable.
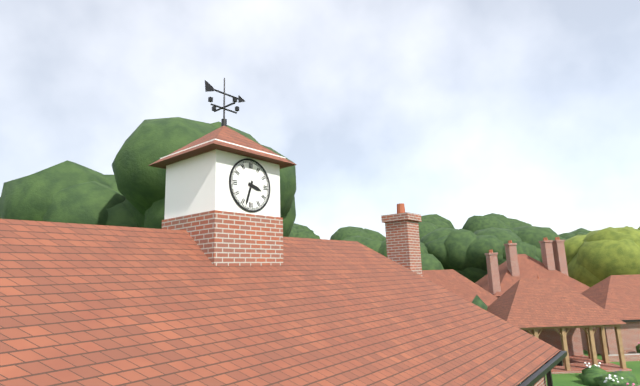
3,33
